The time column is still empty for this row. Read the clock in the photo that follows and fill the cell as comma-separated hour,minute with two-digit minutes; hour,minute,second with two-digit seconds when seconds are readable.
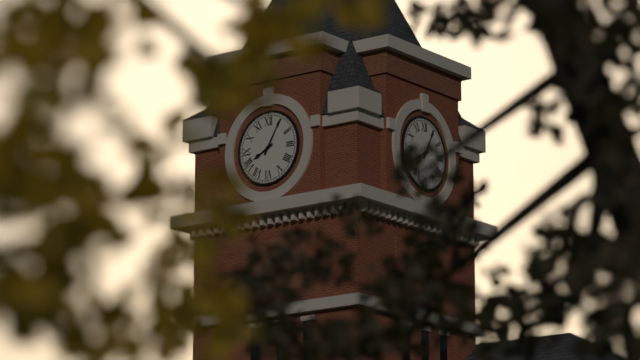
8,05
